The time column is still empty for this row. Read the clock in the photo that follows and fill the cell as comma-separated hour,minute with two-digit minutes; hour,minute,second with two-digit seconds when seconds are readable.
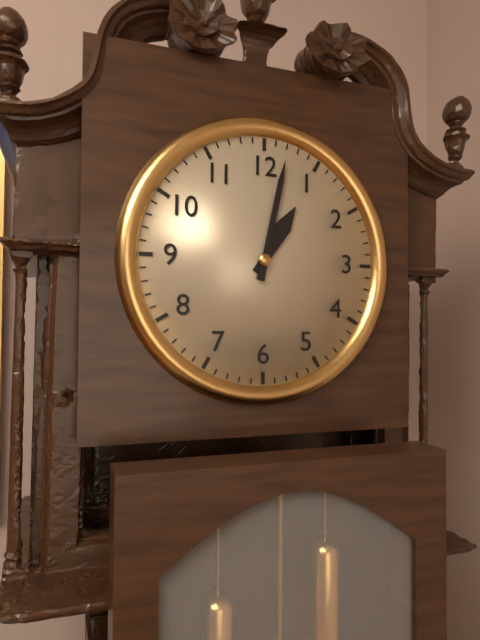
1,02
